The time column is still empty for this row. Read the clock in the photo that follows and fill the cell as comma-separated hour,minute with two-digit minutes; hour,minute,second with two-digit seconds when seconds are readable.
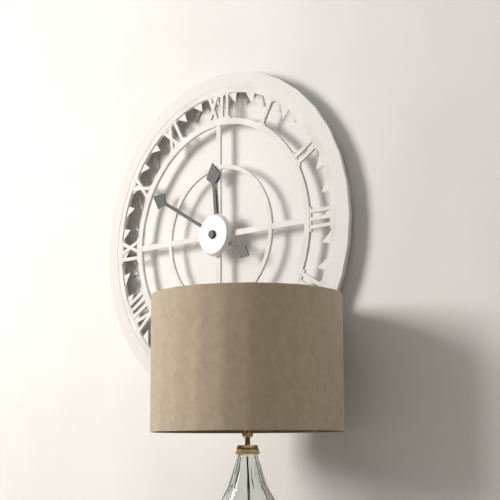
11,50
